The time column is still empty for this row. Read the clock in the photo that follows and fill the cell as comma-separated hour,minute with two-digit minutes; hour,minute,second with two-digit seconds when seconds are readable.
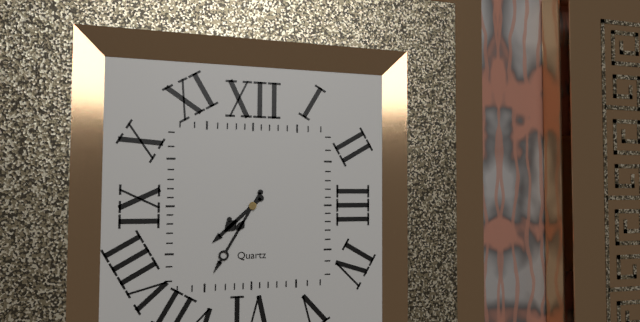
7,35
